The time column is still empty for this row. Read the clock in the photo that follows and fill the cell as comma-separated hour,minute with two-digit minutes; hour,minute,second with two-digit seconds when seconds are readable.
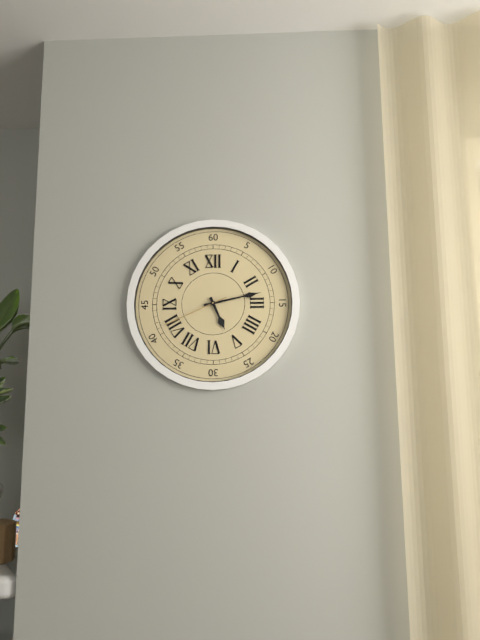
5,13,41
